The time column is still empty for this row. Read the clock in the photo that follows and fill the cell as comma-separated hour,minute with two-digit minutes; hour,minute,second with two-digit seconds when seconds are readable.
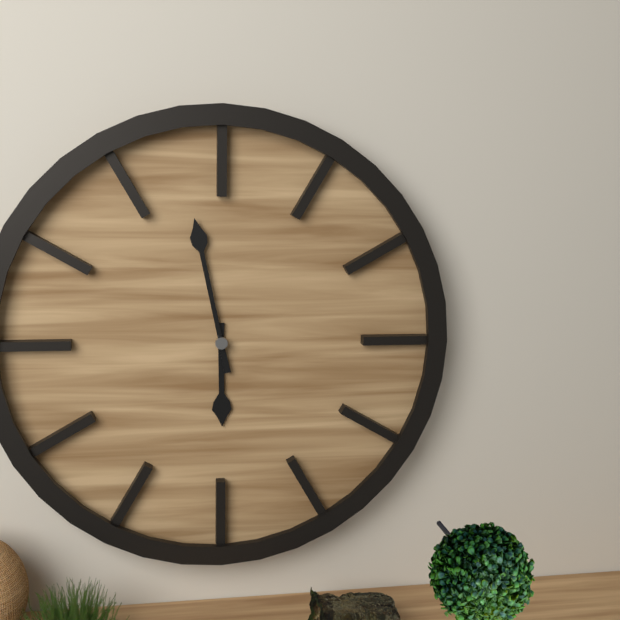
5,58
